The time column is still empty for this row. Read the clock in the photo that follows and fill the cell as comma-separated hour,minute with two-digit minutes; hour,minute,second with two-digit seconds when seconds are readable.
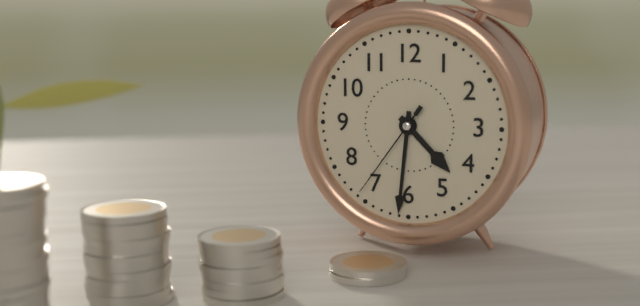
4,31,36
